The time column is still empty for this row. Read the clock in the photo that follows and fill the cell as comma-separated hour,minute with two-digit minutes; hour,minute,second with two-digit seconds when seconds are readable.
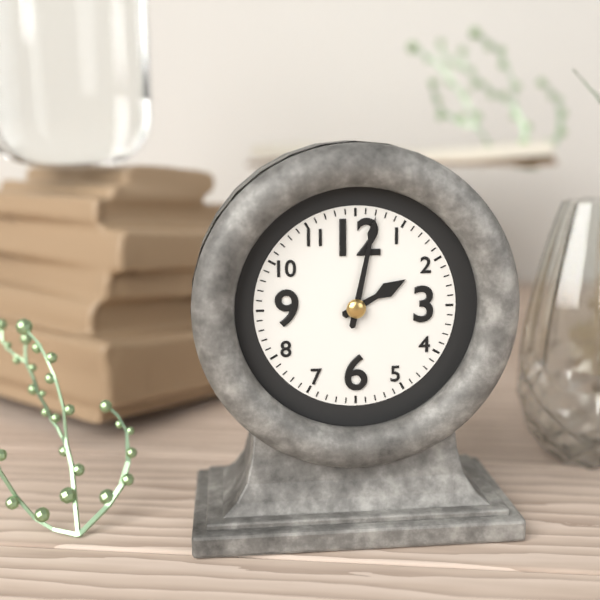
2,02
